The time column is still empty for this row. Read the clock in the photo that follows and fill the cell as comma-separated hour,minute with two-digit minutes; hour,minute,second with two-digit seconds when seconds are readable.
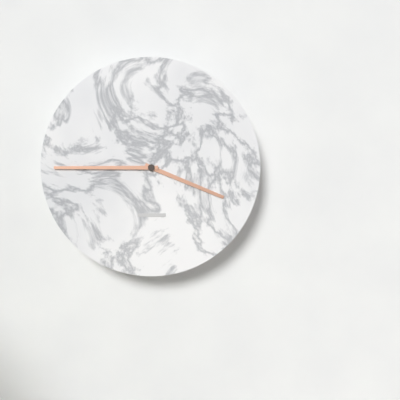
3,45
